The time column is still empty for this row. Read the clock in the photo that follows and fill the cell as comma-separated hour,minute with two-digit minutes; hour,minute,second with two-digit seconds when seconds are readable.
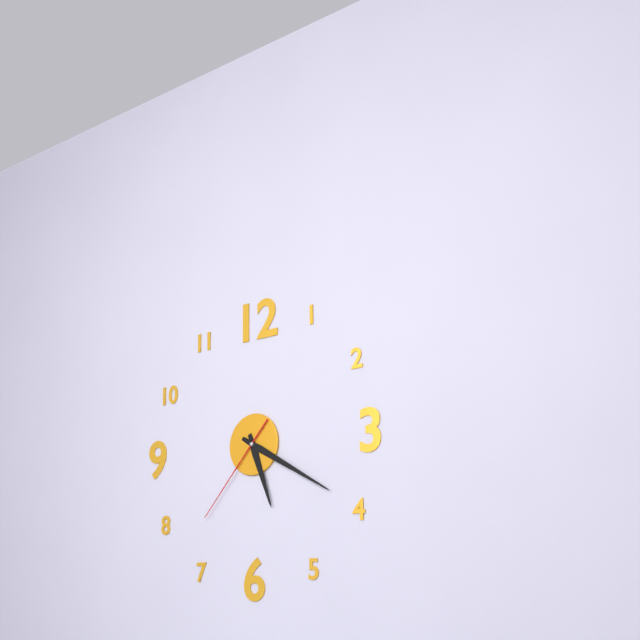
5,20,37
